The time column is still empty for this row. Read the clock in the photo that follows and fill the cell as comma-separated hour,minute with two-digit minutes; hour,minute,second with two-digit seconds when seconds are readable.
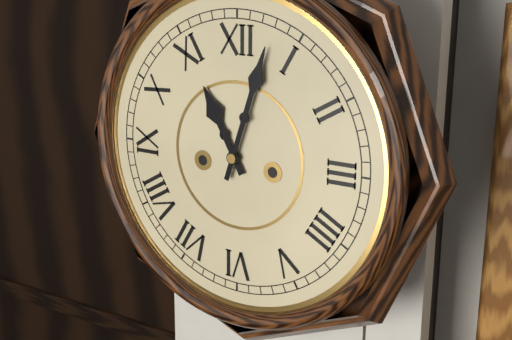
11,03
